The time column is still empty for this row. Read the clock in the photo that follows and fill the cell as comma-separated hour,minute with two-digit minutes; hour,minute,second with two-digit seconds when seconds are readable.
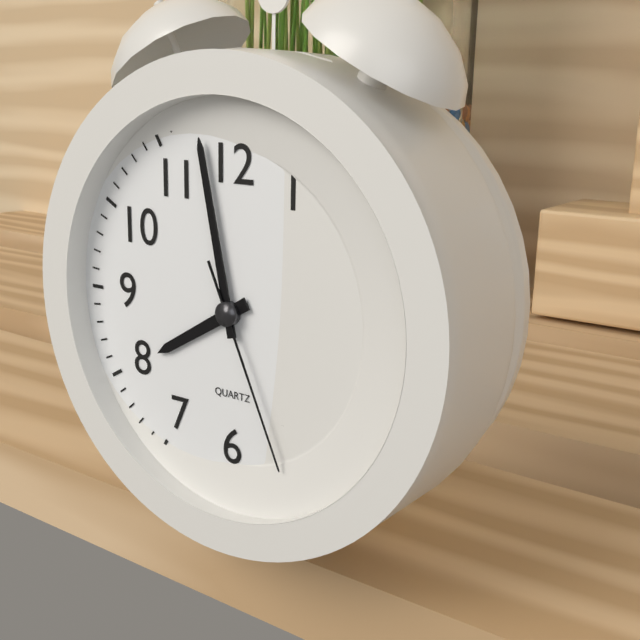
7,58,26
